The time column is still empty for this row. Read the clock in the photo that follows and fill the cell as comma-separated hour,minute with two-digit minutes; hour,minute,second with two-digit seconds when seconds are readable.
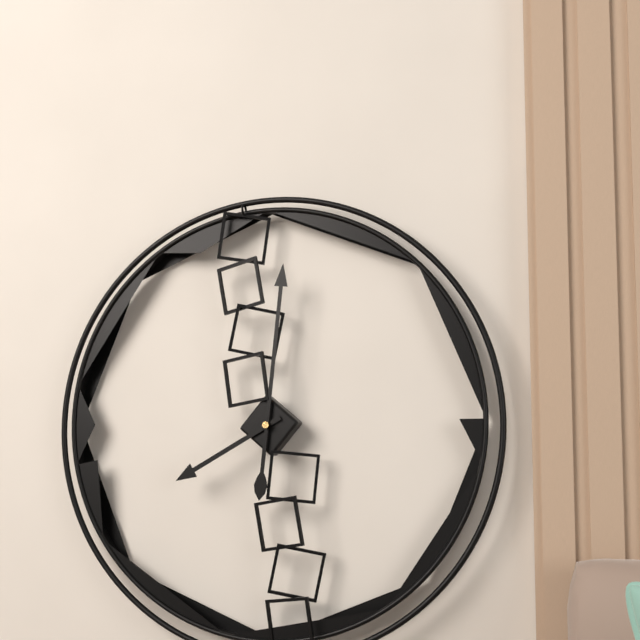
8,01
